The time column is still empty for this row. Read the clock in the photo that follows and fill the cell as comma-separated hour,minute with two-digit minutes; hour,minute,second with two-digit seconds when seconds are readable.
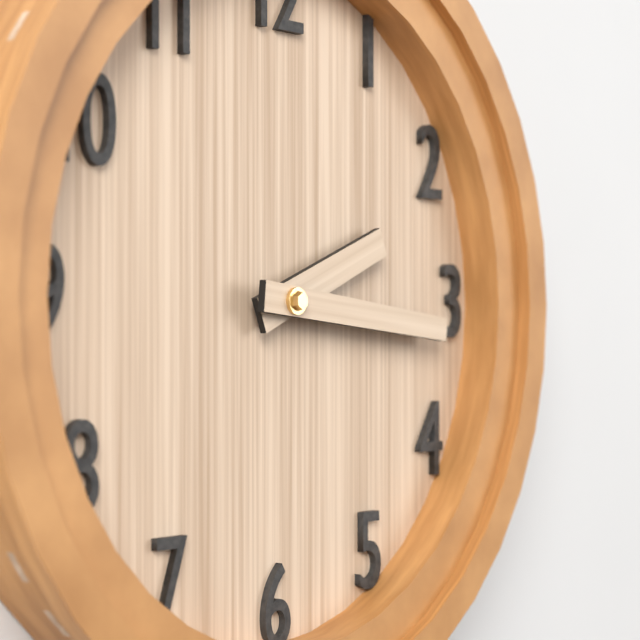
2,16
